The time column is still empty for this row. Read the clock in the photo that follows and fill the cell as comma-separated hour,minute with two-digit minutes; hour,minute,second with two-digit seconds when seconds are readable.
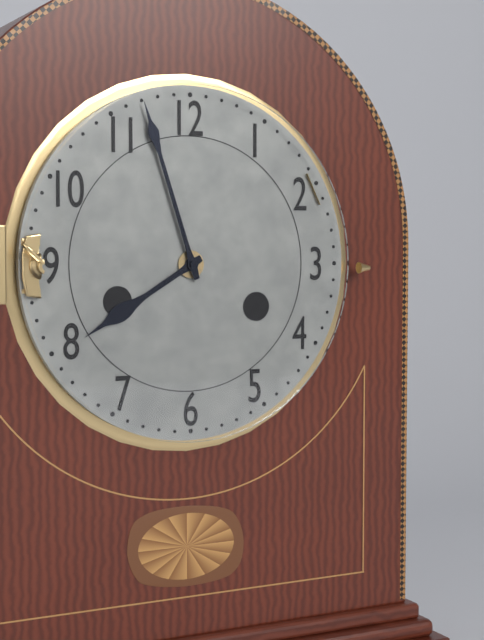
7,57
